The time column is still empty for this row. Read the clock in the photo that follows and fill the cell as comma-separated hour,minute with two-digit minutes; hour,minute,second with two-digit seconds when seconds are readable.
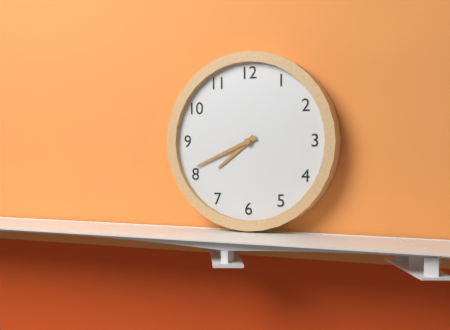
7,41
